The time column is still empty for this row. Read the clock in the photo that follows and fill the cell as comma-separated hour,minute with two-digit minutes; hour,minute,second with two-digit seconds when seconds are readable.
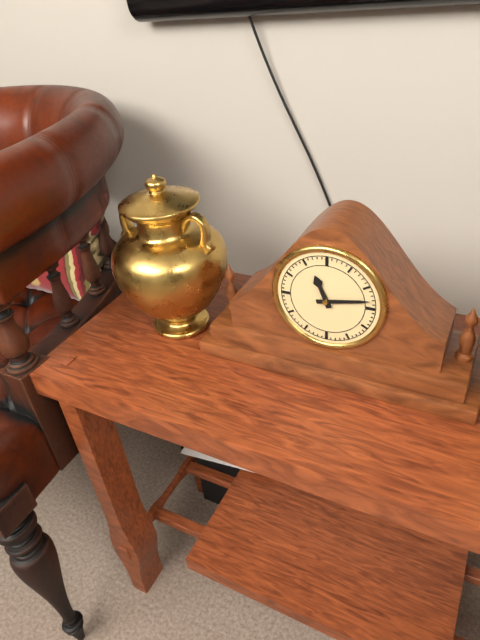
11,13
